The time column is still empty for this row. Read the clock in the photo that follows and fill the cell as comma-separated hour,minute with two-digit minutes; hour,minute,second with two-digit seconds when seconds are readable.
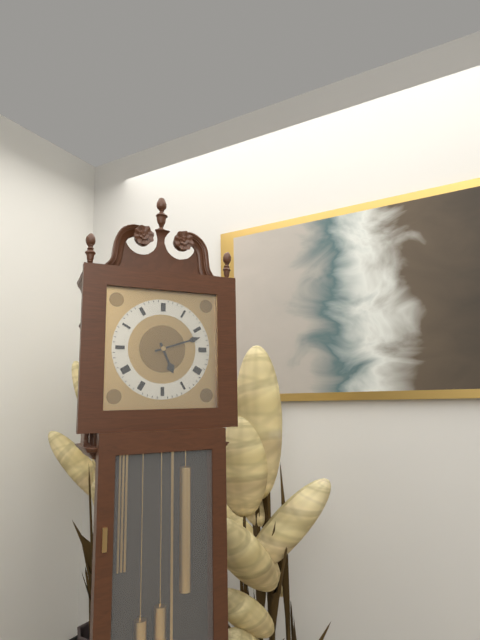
5,12
